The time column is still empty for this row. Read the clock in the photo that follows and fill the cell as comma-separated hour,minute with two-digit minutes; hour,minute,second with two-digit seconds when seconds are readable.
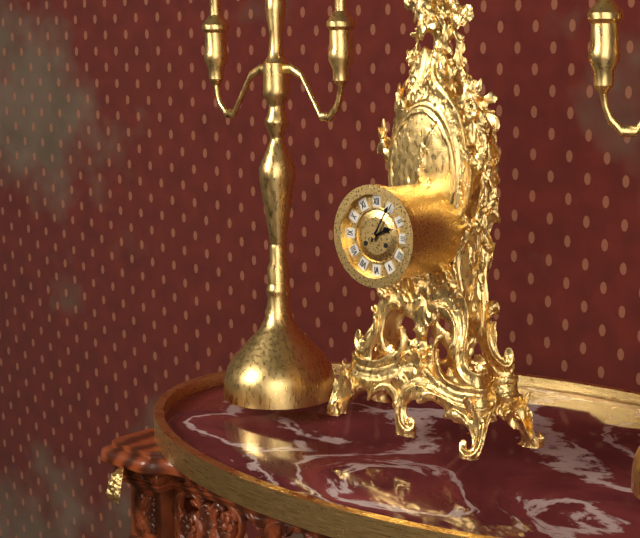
2,05
